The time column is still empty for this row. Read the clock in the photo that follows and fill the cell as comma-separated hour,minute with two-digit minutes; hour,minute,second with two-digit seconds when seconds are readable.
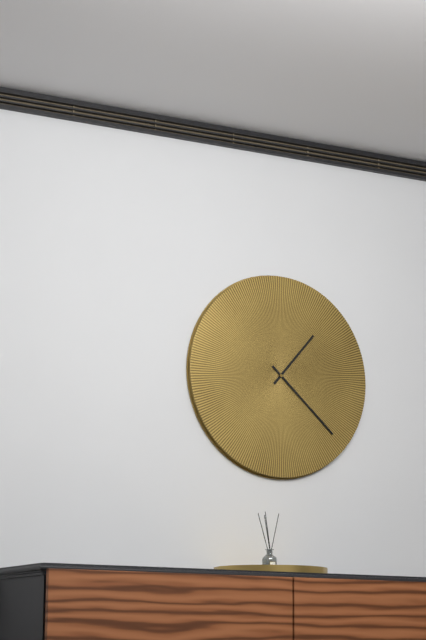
1,22
